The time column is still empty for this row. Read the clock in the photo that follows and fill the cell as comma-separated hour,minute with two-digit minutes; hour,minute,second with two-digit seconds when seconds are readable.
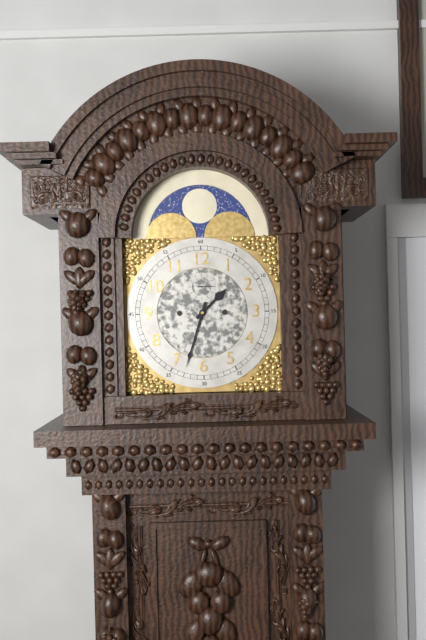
1,33
